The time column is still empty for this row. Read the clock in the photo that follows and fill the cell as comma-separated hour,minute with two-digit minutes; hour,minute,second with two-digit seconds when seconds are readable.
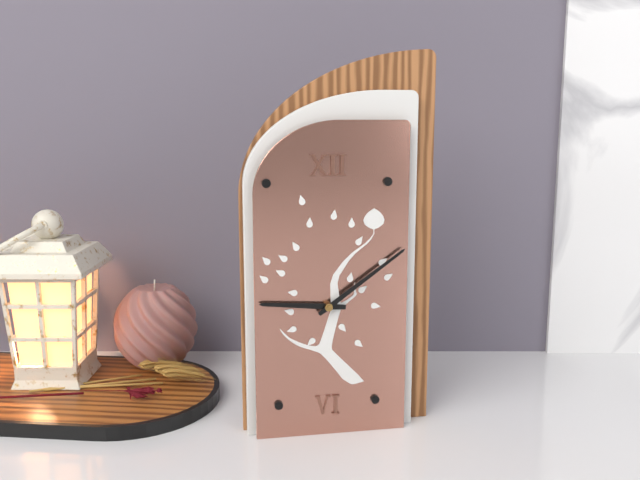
9,09
